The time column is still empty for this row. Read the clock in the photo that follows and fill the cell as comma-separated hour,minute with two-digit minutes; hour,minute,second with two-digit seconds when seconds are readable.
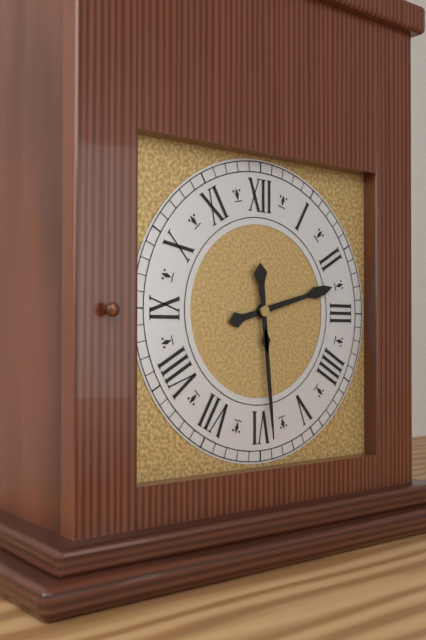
2,29
